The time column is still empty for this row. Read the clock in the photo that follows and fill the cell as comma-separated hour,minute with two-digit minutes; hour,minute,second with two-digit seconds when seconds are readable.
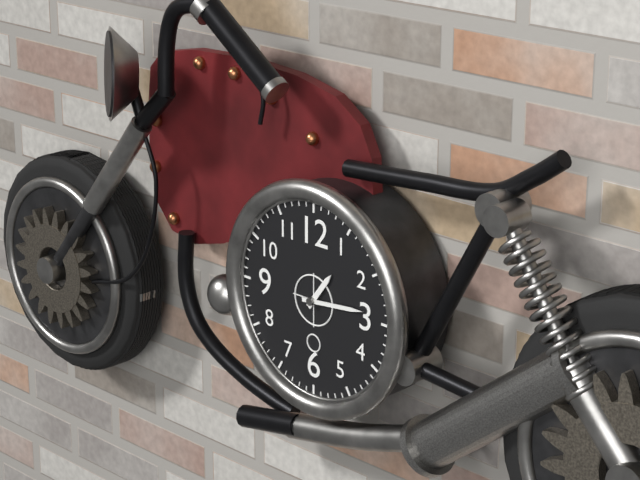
1,14
